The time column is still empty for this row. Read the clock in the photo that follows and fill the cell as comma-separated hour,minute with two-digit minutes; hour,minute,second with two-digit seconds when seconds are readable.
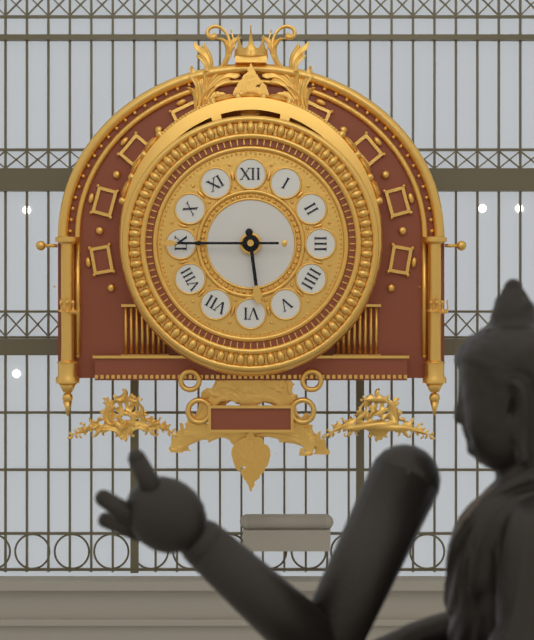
5,45
